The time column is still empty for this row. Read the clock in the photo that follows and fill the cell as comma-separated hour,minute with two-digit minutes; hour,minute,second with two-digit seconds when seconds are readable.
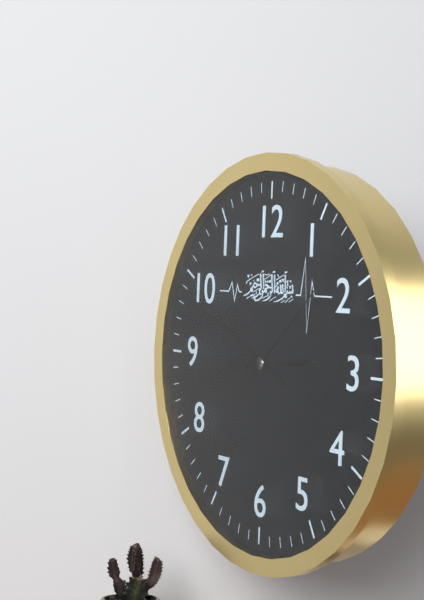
2,49,08
